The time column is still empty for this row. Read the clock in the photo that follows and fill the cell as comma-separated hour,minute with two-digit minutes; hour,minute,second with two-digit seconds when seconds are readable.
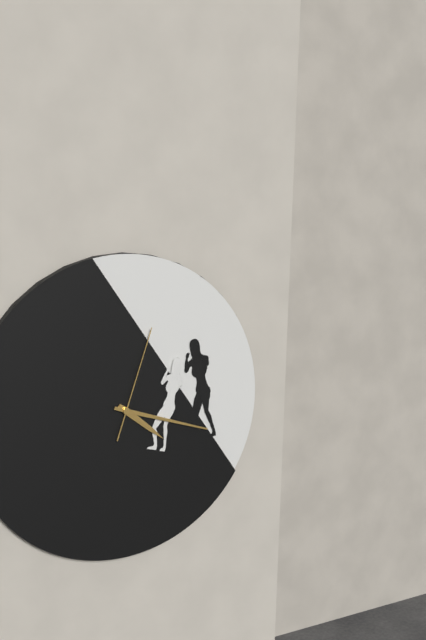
4,18,03
